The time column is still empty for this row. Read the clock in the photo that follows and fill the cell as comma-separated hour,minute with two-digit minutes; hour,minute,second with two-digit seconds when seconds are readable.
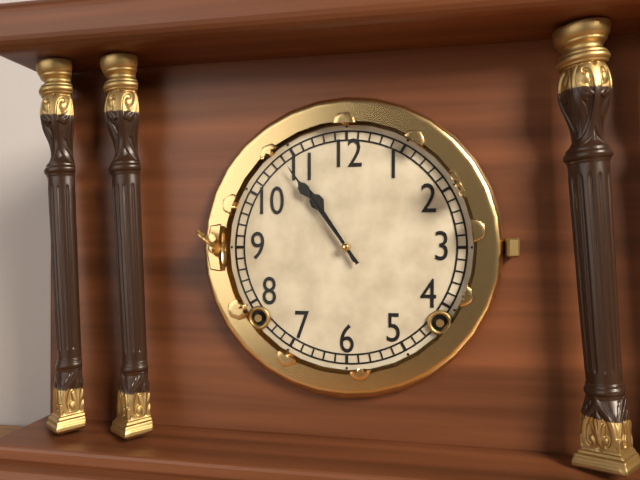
10,54
